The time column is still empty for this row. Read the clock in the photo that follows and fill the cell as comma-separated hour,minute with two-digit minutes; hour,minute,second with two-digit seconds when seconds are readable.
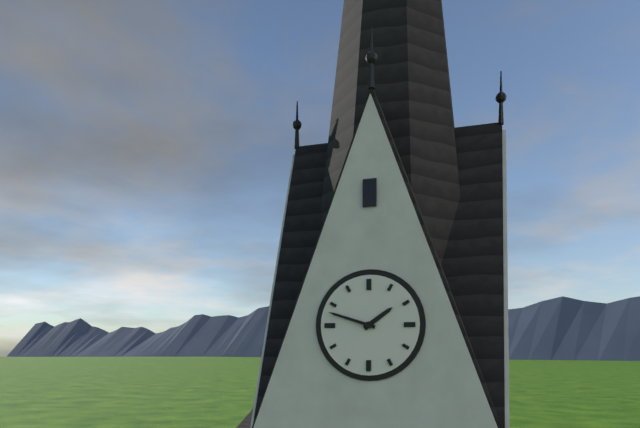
1,48
